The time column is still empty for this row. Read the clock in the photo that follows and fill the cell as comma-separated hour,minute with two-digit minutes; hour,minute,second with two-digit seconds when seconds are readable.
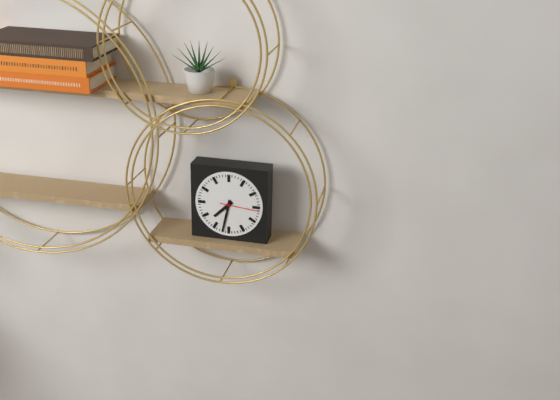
7,32
